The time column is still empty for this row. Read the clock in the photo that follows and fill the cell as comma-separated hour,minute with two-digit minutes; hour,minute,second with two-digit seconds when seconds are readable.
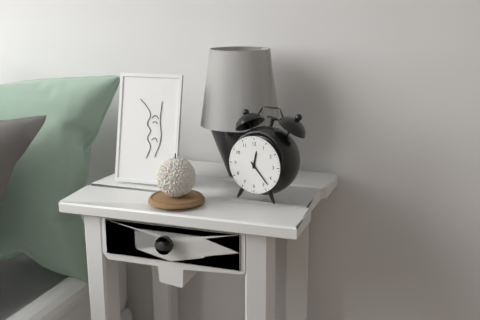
12,23
